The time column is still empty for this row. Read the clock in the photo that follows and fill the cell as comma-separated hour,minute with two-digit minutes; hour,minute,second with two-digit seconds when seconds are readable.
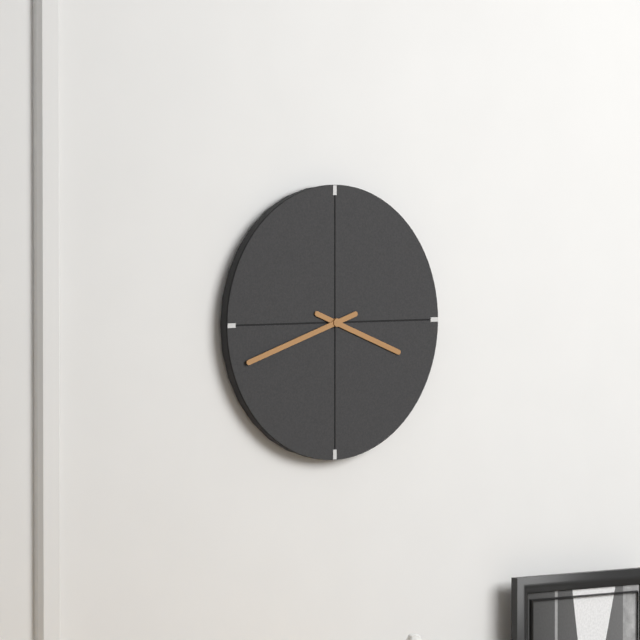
3,42
